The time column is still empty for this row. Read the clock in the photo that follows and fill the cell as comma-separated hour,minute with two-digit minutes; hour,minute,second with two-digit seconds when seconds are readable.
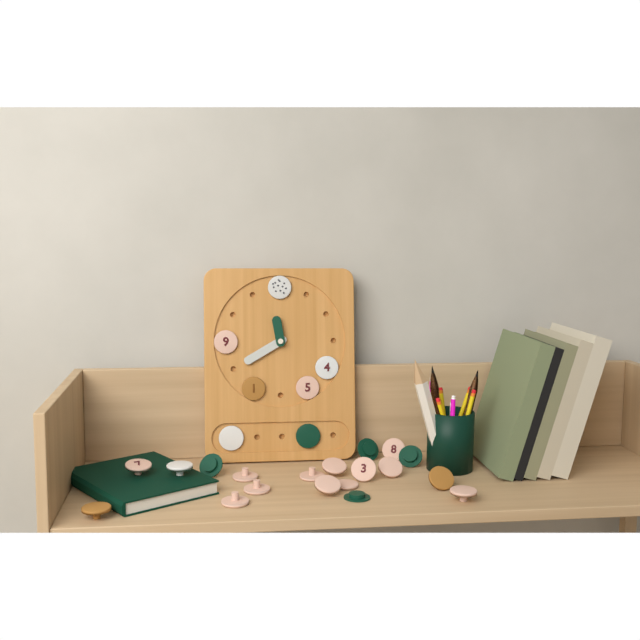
11,40
